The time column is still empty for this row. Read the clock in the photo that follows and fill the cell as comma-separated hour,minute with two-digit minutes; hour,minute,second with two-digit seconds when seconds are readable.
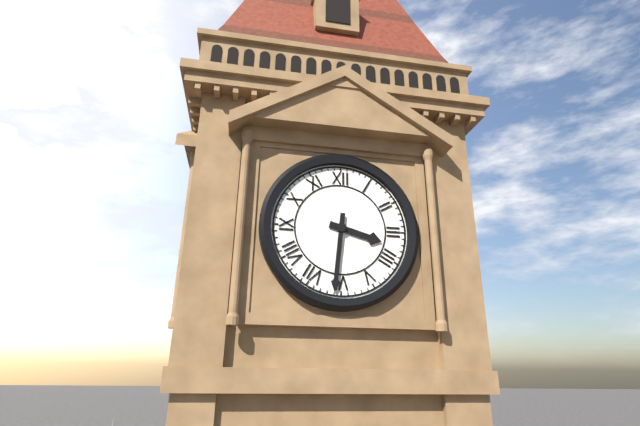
3,31
